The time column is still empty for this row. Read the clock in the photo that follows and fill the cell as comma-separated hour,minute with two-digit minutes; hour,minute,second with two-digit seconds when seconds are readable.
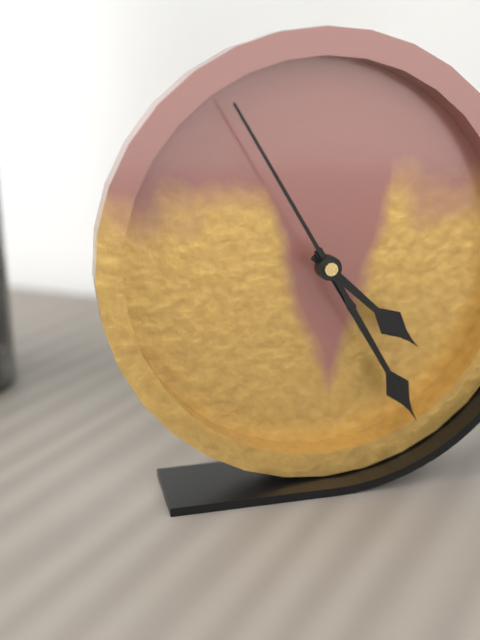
4,25,55
